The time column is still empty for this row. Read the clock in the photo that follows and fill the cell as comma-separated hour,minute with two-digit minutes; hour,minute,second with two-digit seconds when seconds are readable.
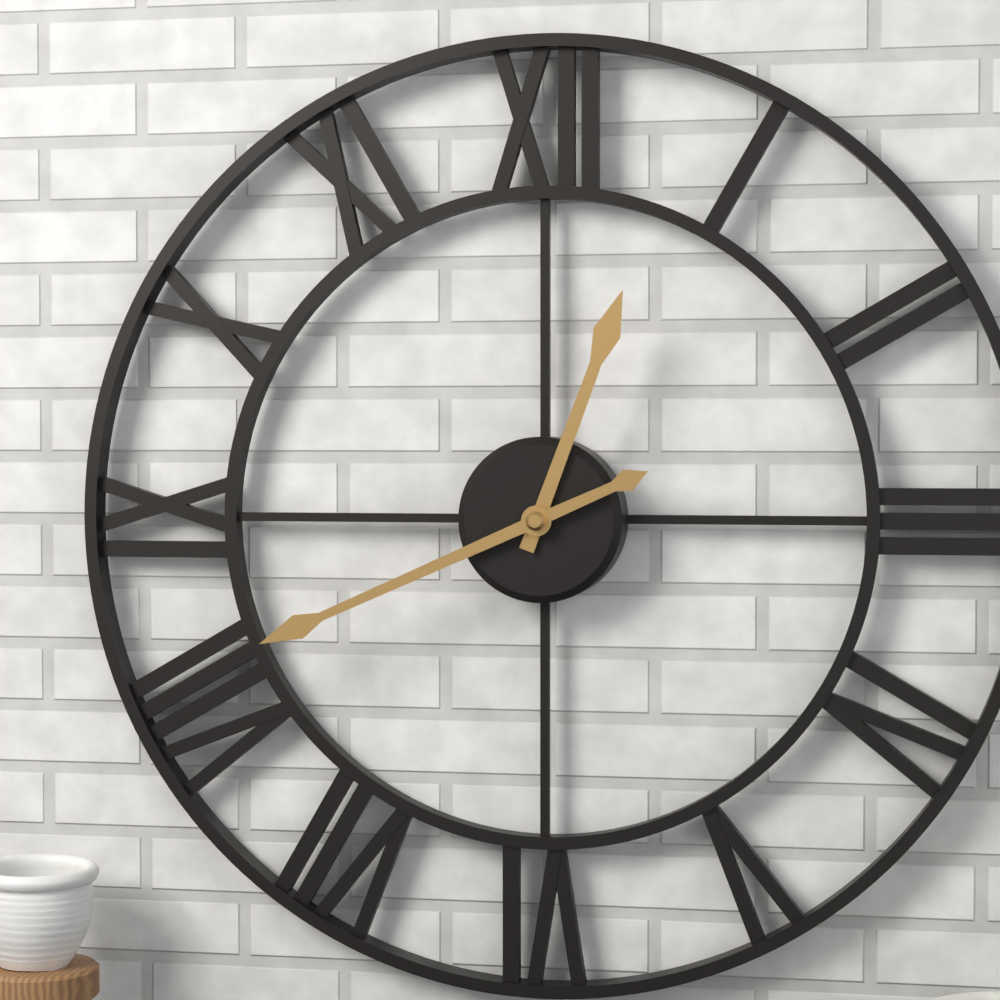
12,41
